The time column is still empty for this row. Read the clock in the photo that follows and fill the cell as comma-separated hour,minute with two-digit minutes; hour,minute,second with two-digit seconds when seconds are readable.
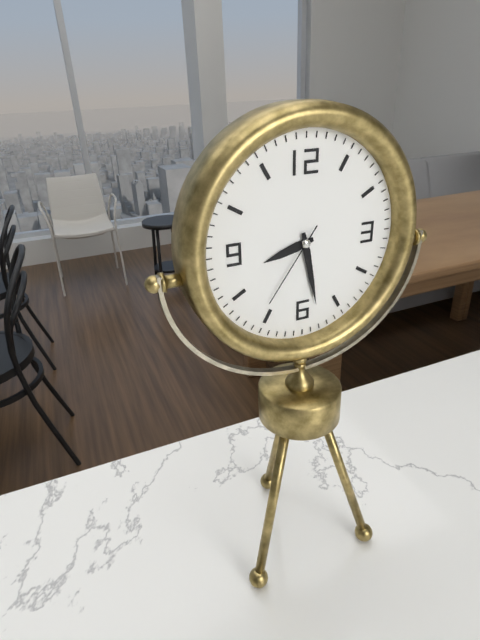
8,28,36
